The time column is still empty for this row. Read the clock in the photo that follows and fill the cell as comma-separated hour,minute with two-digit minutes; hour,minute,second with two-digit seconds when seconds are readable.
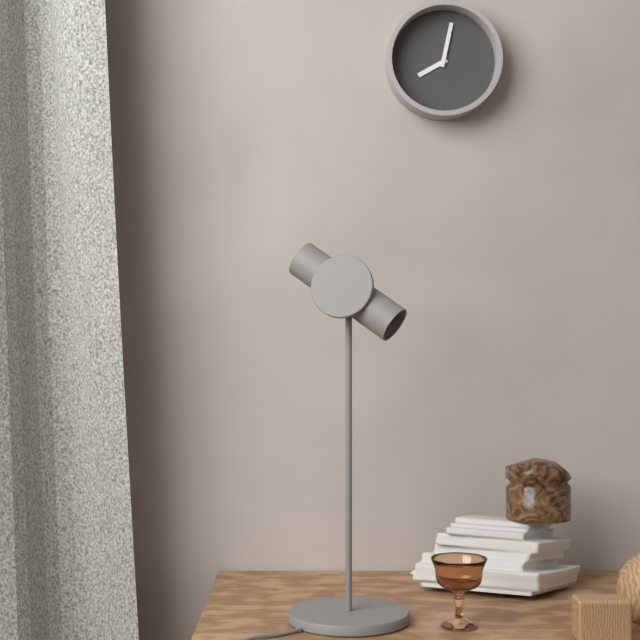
8,02
